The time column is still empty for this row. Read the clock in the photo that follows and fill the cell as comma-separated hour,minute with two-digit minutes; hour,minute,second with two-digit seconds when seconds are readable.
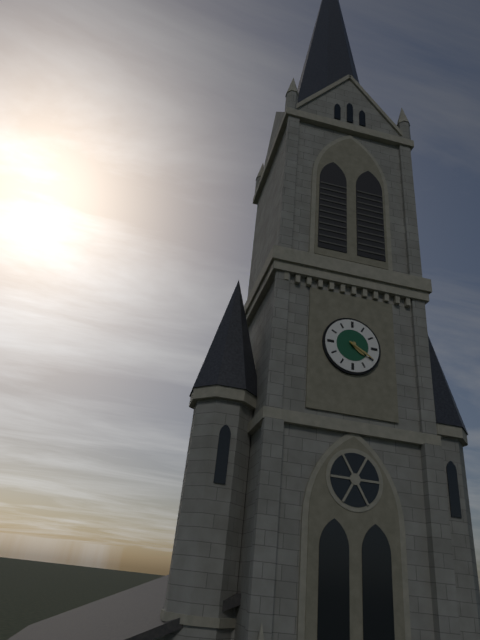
4,20
